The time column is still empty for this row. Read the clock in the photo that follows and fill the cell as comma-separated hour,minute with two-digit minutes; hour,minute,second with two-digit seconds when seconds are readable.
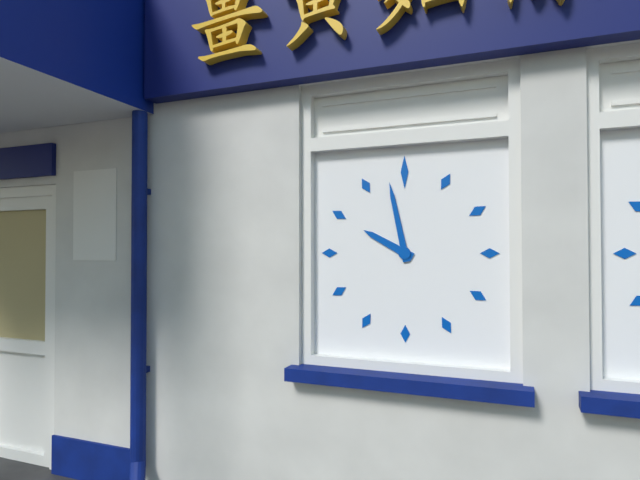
9,58
